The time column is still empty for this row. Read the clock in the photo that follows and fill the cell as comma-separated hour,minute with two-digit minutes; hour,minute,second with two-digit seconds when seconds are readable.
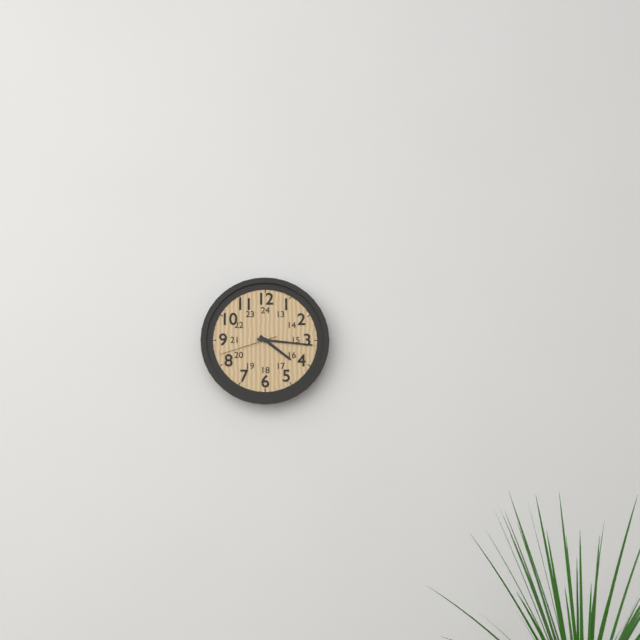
4,16,42
